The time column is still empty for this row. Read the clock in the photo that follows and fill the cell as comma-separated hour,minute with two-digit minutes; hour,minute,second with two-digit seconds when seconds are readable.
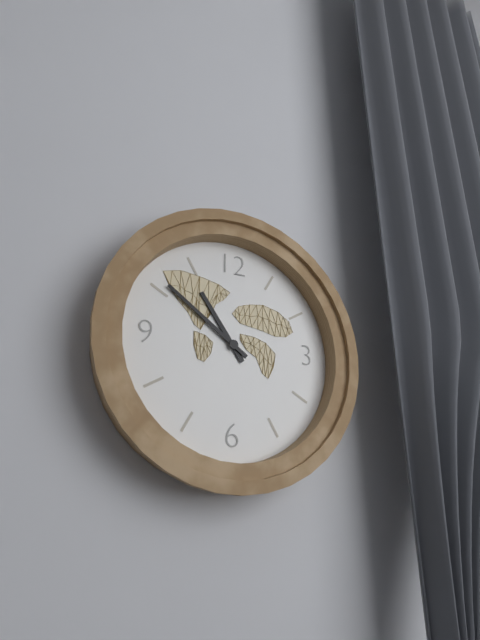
10,51
